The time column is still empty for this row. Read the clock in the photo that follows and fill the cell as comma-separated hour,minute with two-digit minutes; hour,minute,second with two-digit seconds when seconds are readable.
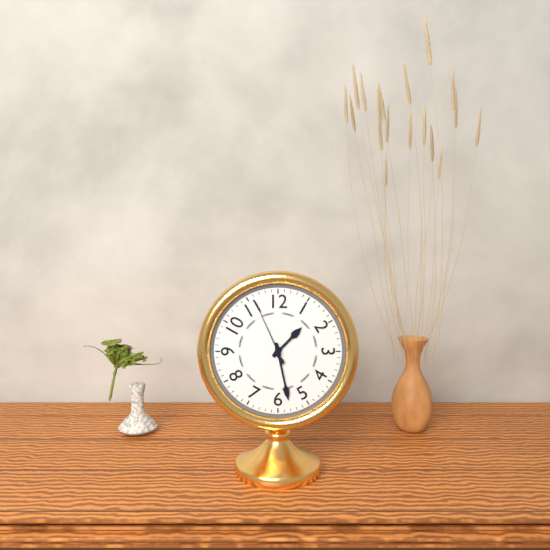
1,28,56
